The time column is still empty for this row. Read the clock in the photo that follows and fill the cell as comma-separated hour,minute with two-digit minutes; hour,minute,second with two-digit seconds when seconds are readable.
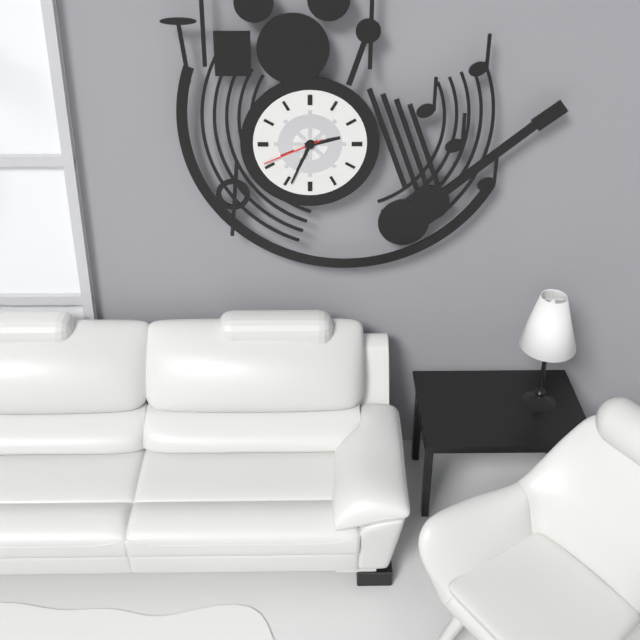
2,34,41
